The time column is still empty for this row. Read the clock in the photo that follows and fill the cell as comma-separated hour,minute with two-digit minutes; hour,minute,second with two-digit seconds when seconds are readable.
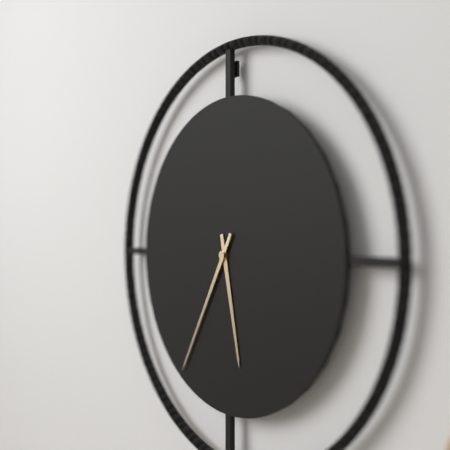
5,35
